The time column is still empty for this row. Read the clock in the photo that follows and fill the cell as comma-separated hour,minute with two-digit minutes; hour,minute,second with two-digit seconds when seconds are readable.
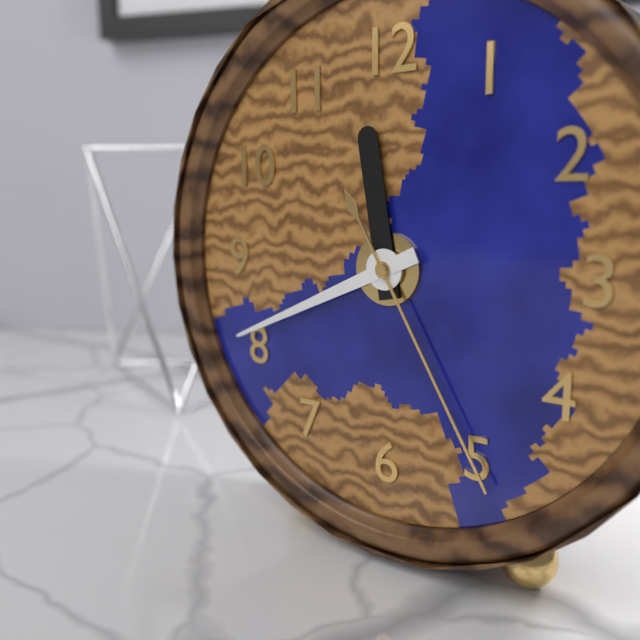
11,41,25
